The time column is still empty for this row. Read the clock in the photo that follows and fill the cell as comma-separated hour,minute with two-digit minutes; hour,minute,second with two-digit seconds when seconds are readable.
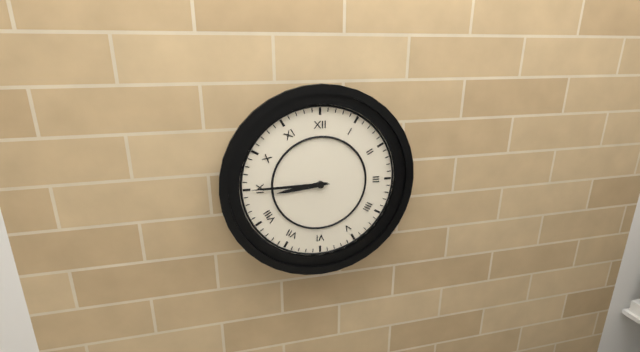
8,45
